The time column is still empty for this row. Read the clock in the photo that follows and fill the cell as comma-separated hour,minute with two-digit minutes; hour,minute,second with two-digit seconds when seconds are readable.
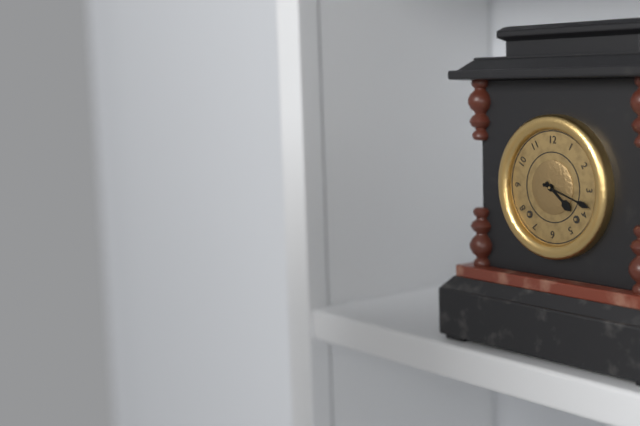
4,18
